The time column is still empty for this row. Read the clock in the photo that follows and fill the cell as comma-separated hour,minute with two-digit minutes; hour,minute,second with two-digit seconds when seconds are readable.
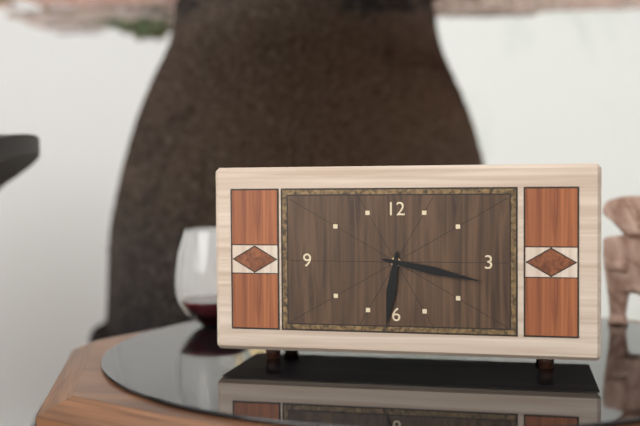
6,17
